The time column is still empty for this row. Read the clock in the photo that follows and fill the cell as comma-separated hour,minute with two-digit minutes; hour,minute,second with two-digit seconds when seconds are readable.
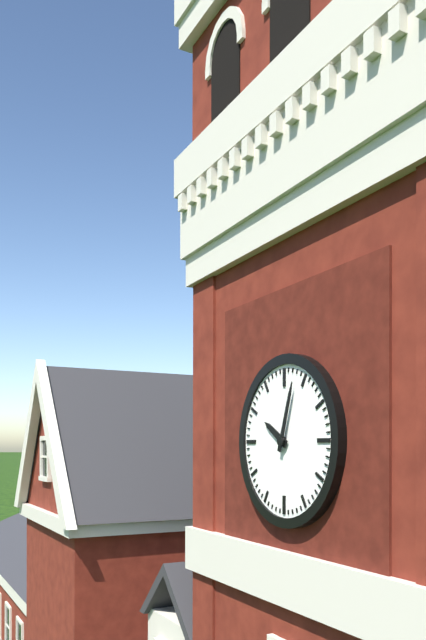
10,03
